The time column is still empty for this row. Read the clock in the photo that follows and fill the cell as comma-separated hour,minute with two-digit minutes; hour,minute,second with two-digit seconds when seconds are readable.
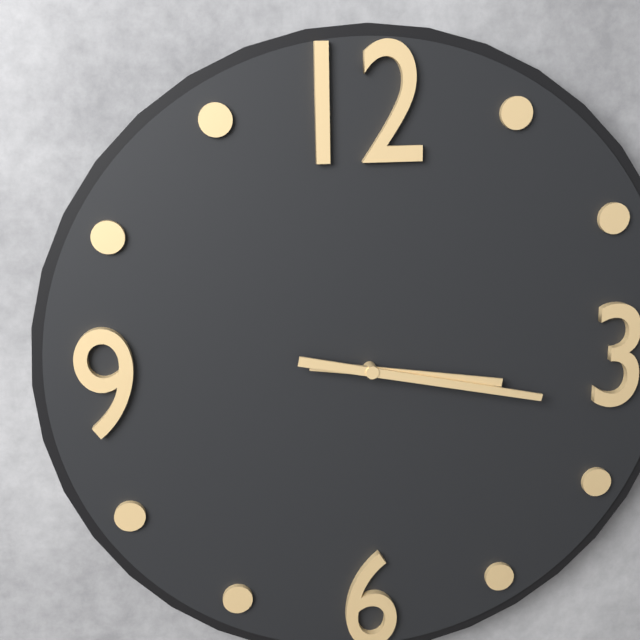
3,17
